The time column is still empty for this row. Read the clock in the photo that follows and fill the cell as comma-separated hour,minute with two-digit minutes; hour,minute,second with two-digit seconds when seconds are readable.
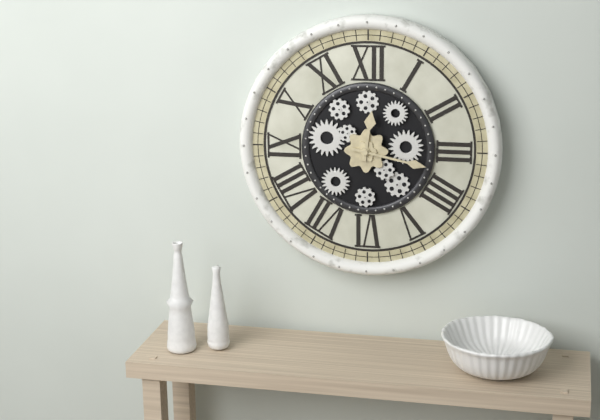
12,17
